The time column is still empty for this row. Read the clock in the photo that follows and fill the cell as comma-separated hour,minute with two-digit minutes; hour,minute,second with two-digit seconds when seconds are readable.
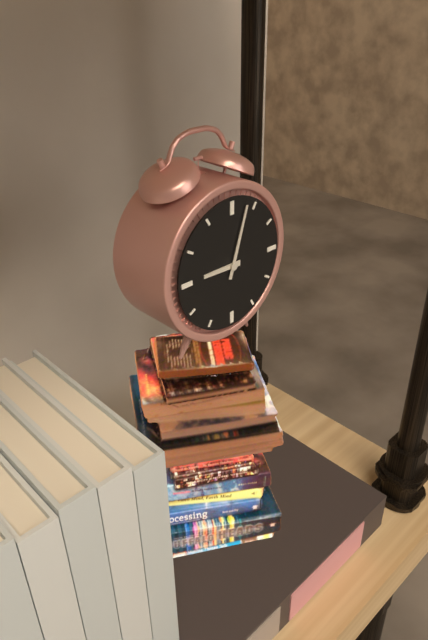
9,03
